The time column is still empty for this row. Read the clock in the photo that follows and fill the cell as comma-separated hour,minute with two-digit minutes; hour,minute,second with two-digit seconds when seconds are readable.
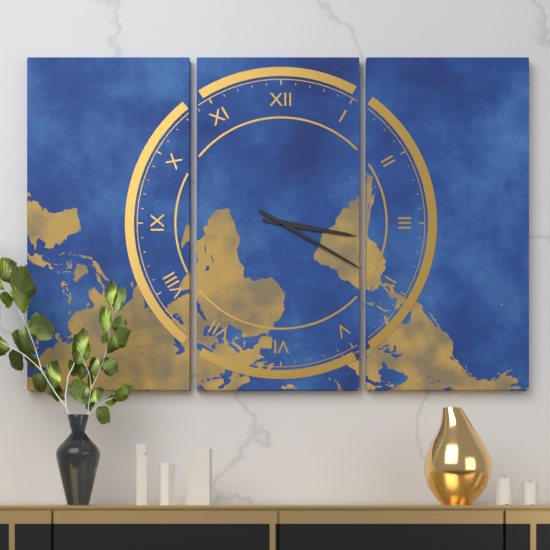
3,20
